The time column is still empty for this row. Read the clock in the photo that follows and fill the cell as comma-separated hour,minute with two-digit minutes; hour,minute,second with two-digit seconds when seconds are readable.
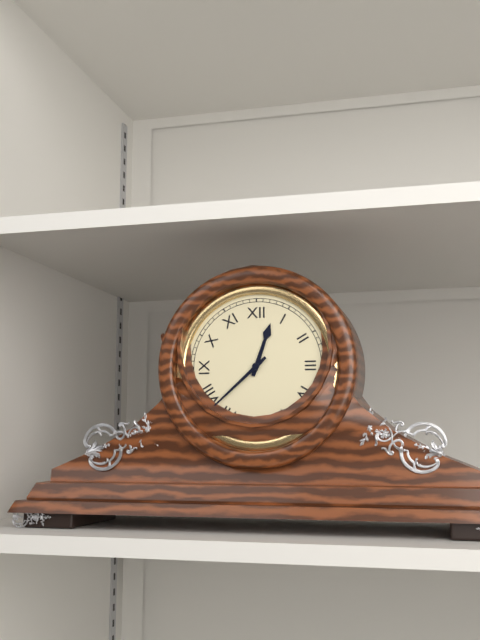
12,38
